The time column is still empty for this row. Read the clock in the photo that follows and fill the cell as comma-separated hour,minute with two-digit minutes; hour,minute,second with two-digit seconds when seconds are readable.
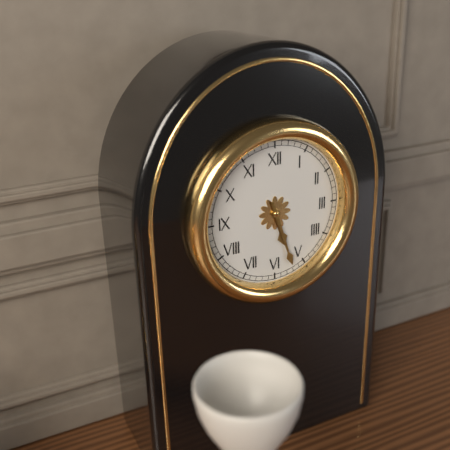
5,27
